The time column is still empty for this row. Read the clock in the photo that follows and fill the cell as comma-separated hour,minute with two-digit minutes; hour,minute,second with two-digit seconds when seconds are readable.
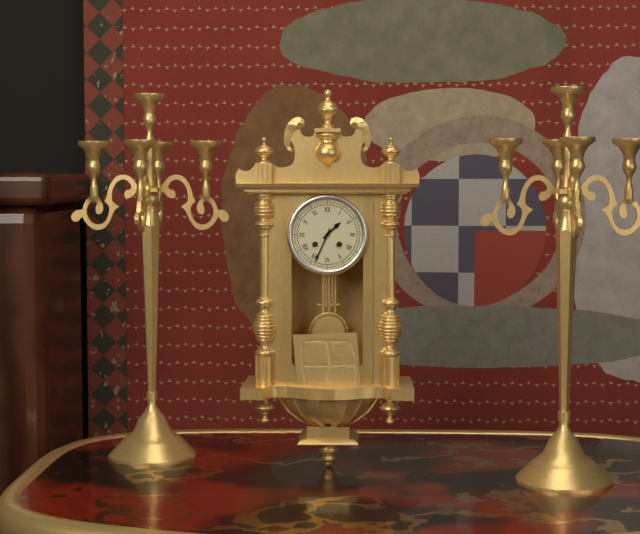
1,34
